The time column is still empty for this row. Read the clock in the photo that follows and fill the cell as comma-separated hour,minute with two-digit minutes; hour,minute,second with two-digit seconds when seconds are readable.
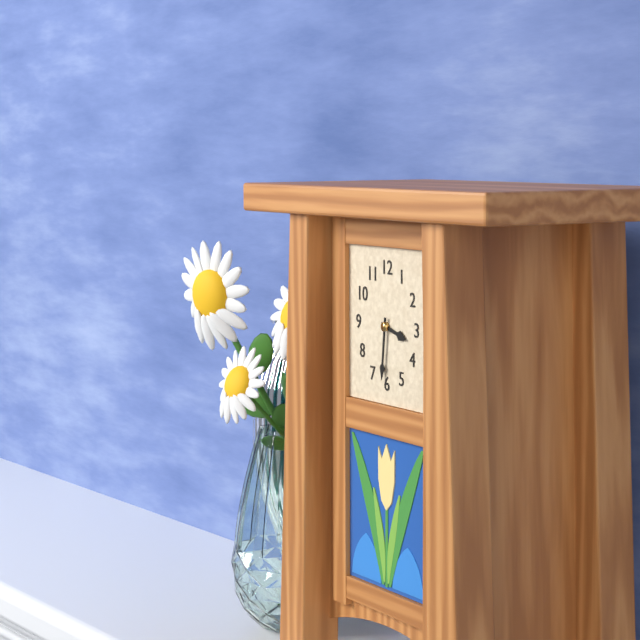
3,31
